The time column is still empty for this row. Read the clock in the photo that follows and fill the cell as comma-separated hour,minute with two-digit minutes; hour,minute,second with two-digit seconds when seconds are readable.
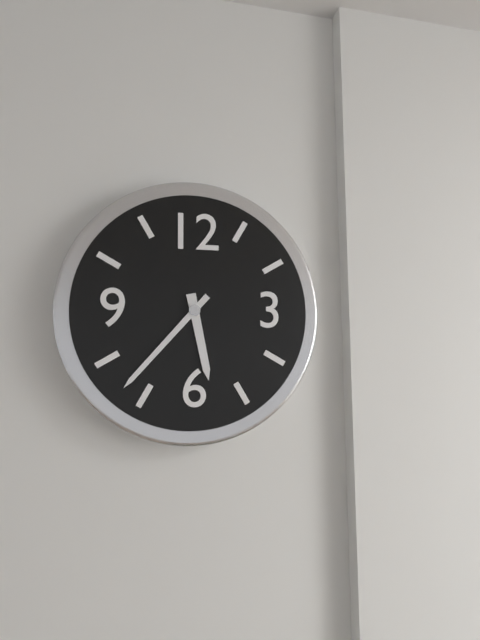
5,37
